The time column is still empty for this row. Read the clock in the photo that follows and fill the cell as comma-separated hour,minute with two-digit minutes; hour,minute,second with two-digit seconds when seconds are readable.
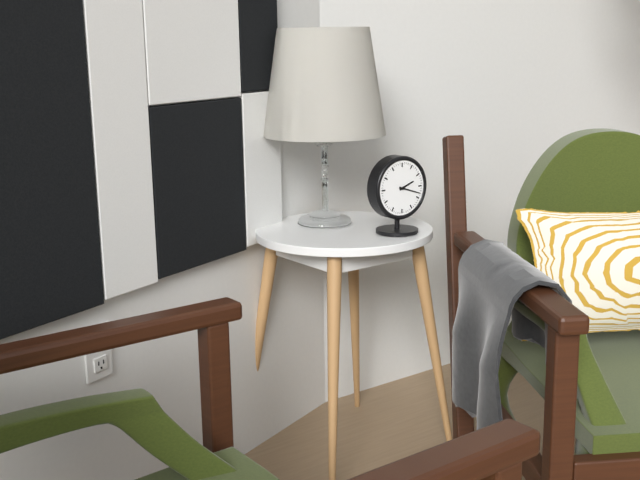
2,18
